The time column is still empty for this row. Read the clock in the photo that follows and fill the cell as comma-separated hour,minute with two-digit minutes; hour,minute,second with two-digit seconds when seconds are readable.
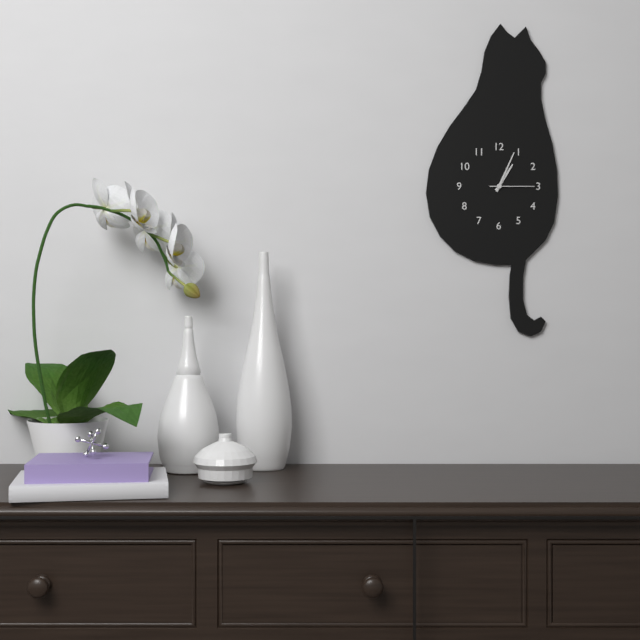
1,04
